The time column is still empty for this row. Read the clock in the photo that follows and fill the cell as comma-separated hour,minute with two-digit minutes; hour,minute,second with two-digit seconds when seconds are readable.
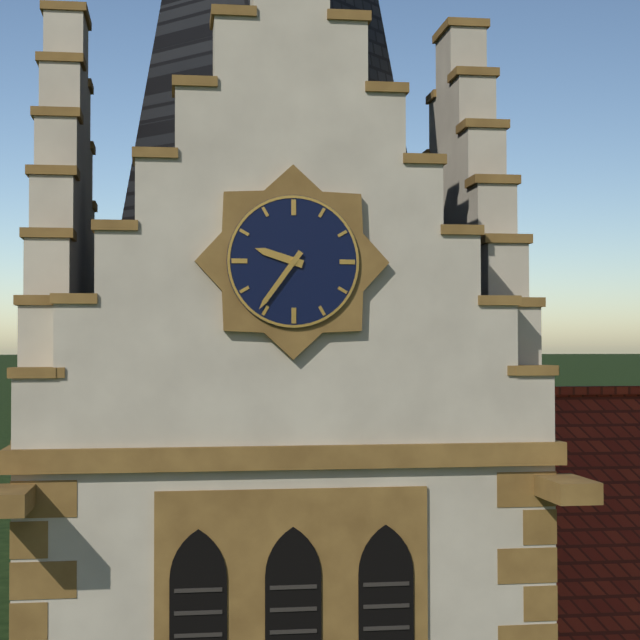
9,36
